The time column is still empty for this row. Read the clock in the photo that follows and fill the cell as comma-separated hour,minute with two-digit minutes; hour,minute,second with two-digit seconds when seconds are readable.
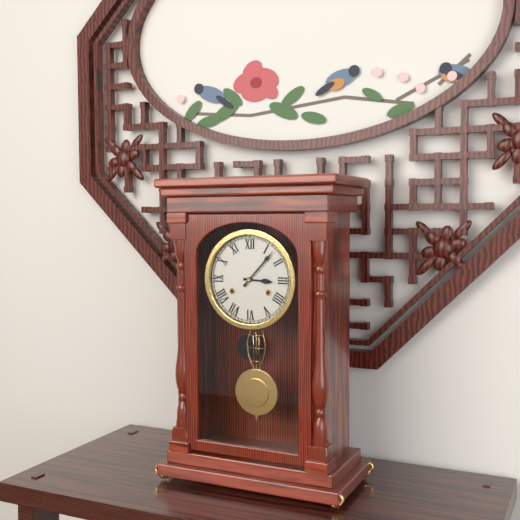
3,07
